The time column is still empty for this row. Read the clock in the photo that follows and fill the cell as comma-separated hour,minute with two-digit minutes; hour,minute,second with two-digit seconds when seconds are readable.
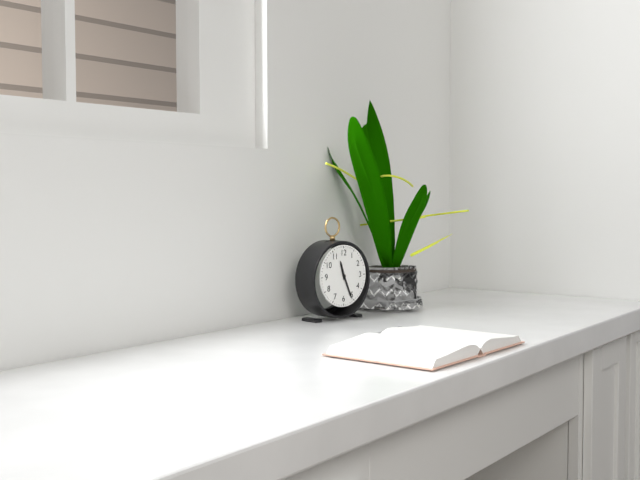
11,26
